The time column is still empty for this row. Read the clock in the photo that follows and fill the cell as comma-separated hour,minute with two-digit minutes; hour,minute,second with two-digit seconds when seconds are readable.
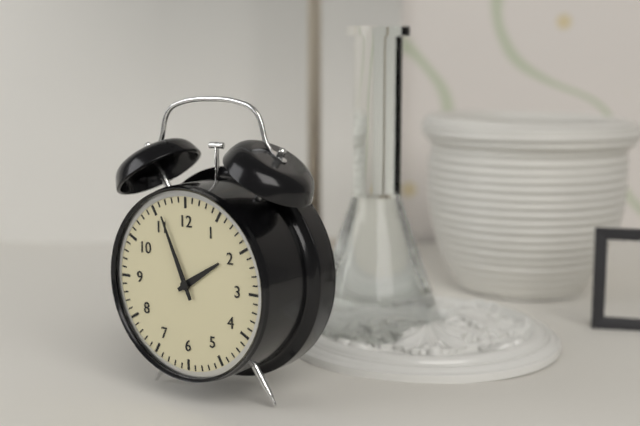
1,56
